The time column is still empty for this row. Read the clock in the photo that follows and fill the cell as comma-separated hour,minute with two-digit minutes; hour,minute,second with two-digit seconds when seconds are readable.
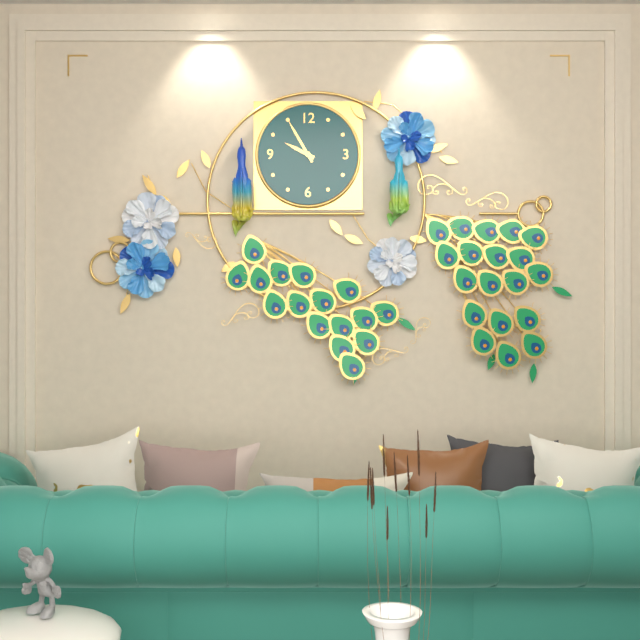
9,55
